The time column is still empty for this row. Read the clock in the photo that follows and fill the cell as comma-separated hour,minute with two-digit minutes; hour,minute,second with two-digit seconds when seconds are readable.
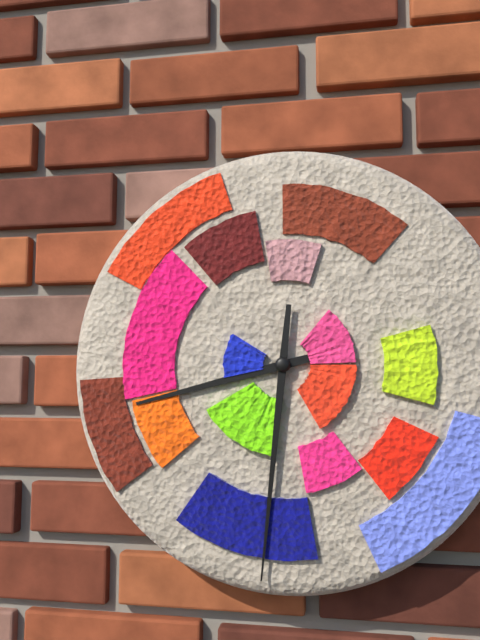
8,31
